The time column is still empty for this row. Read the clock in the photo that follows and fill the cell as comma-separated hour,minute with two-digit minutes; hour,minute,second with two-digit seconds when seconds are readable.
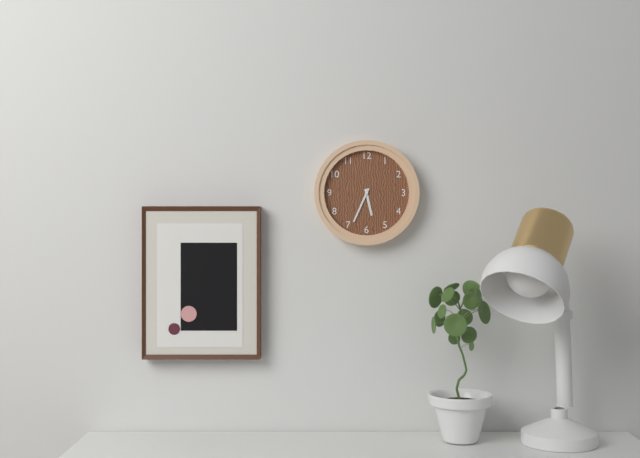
5,34
